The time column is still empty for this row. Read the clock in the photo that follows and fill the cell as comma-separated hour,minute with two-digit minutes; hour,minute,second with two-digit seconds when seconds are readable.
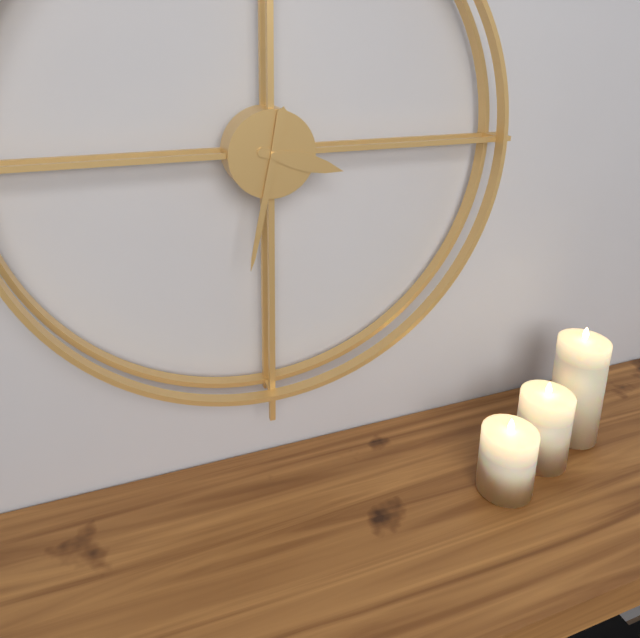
3,32
